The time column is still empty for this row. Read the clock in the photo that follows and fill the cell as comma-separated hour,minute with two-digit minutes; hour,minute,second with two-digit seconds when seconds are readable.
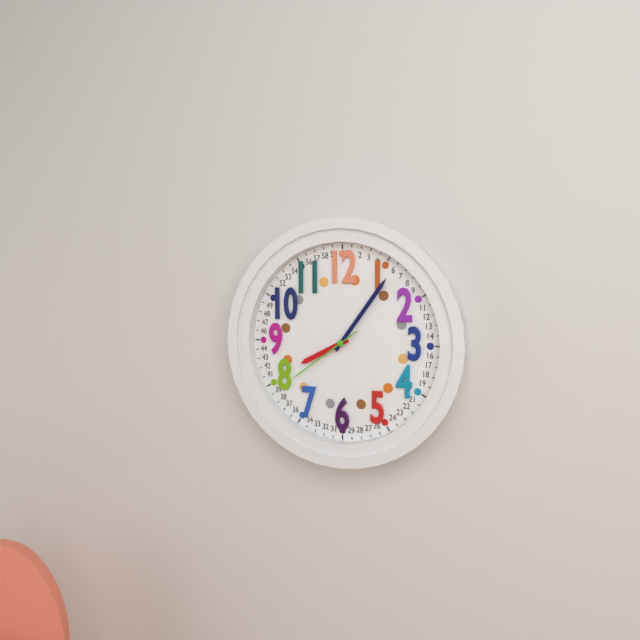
8,06,39
